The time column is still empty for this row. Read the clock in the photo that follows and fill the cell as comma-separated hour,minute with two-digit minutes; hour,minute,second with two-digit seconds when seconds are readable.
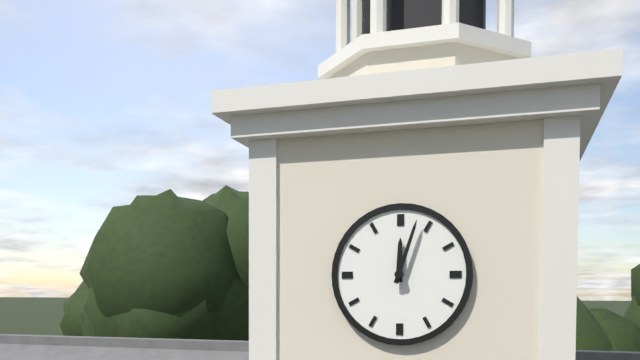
12,03
